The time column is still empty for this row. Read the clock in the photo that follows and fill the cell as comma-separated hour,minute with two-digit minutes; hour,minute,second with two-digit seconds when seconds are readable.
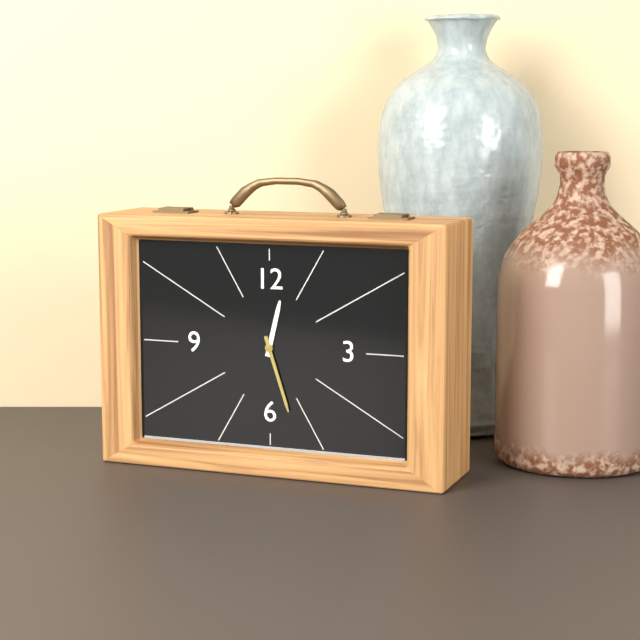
12,27
